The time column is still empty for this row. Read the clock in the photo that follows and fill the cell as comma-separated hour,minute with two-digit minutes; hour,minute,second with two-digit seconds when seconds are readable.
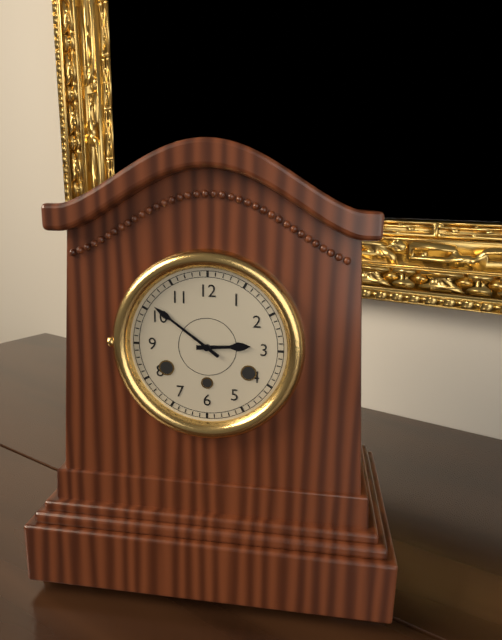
2,51
